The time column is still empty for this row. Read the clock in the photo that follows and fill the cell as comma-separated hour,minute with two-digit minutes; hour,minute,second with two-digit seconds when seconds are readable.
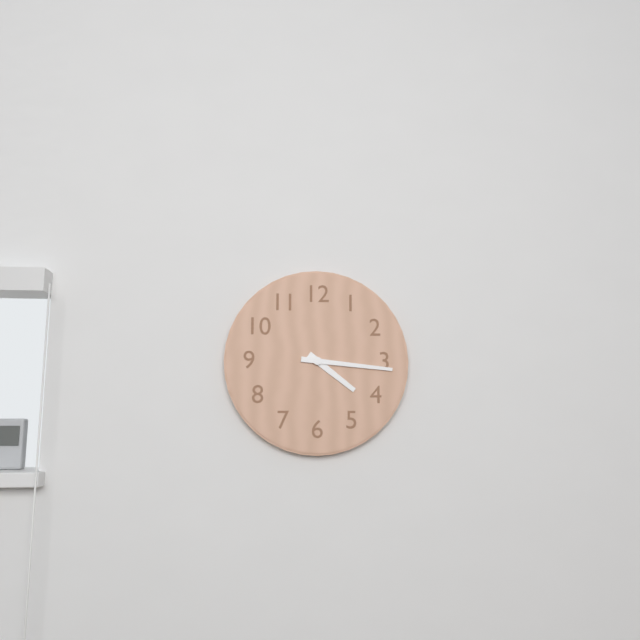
4,16
